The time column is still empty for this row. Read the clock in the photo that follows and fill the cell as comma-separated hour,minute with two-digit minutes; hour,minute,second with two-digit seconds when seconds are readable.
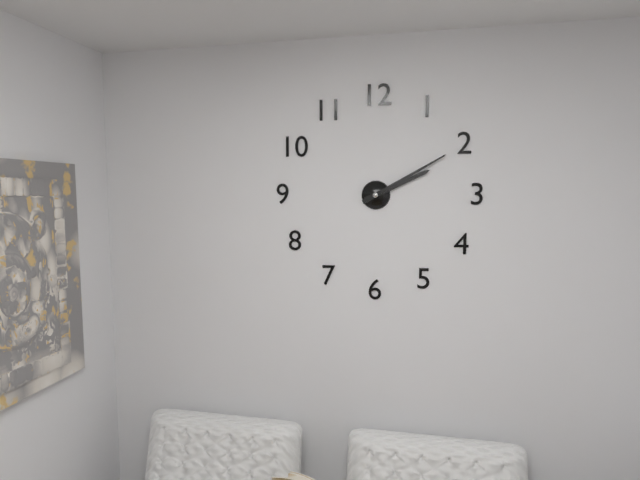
2,10
